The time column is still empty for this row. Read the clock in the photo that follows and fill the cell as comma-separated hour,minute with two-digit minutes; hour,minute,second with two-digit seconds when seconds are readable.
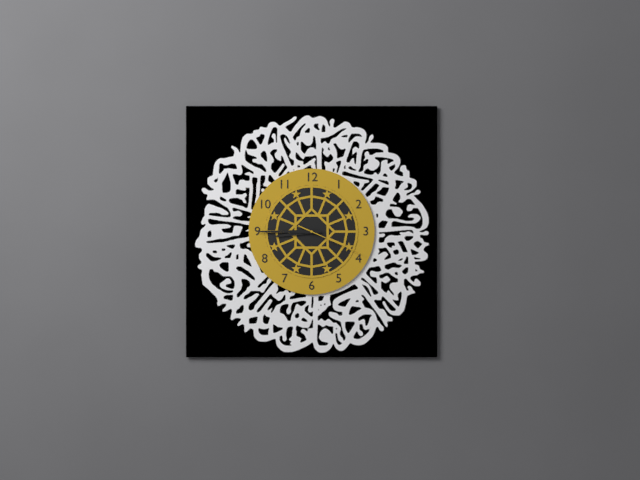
8,45,19
